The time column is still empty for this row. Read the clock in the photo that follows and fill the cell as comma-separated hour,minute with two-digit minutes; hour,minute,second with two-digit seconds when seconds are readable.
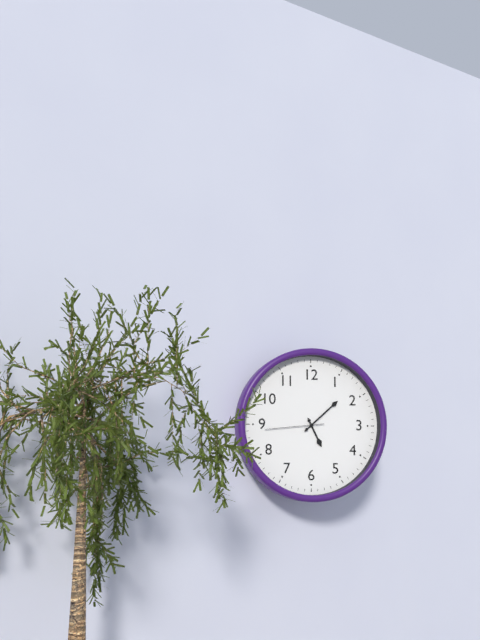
5,08,44
